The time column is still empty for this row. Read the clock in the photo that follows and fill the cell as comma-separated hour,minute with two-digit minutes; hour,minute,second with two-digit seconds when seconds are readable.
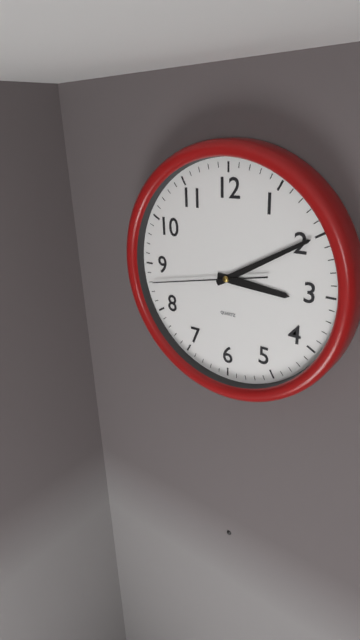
3,10,43
